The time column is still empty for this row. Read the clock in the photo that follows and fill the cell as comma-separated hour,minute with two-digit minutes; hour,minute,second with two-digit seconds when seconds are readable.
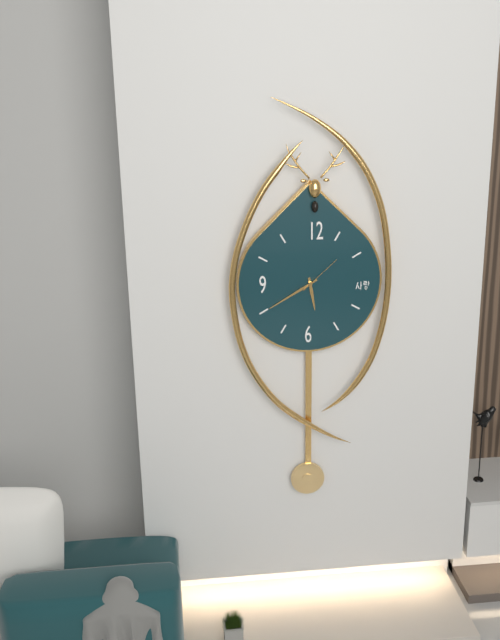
5,40
